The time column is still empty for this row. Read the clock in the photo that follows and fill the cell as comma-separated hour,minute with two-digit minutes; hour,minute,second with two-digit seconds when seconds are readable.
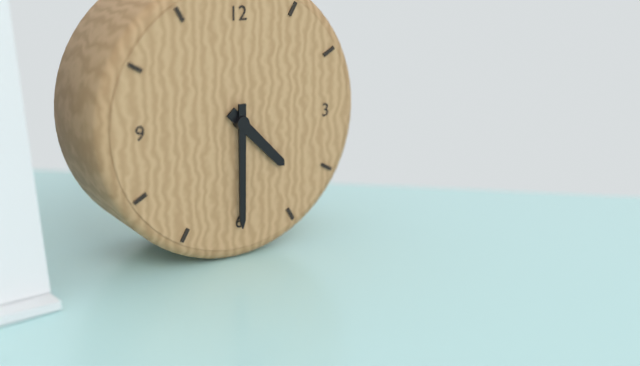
4,30
